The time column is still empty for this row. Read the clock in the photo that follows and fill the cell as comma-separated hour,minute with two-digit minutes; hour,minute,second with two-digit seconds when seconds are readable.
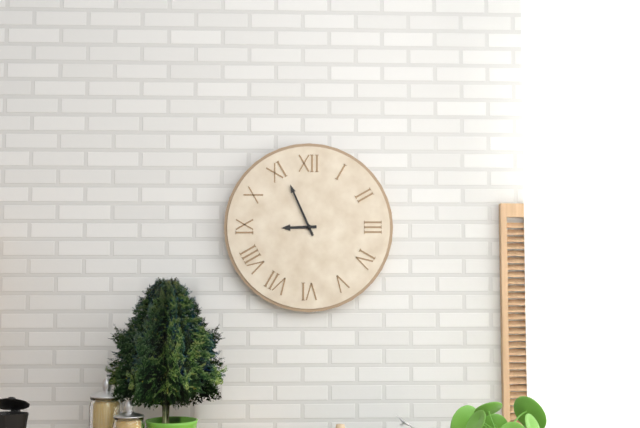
8,56
